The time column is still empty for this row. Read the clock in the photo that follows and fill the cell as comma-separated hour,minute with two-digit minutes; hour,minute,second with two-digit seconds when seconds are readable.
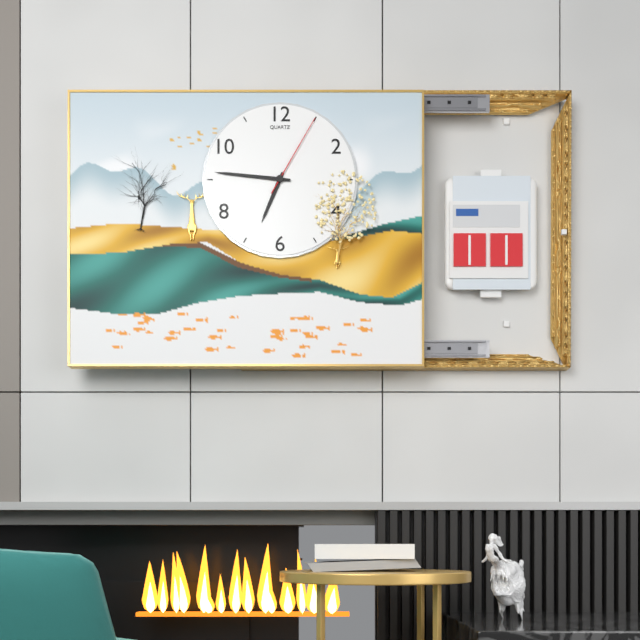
6,46,05
